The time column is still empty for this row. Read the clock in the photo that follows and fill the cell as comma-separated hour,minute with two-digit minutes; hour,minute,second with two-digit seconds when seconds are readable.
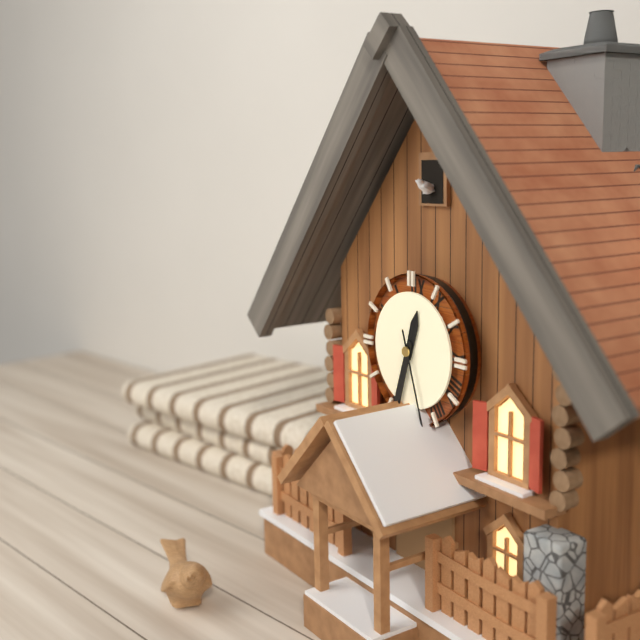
12,33,27
